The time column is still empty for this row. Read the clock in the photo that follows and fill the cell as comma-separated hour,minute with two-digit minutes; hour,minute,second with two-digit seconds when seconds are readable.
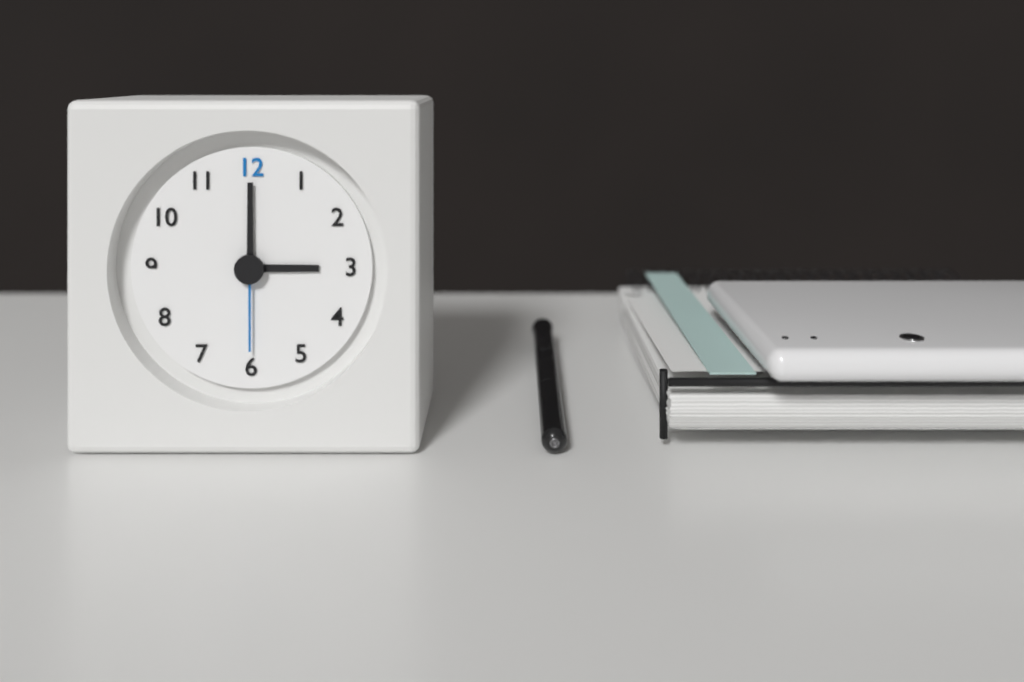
3,00,30
